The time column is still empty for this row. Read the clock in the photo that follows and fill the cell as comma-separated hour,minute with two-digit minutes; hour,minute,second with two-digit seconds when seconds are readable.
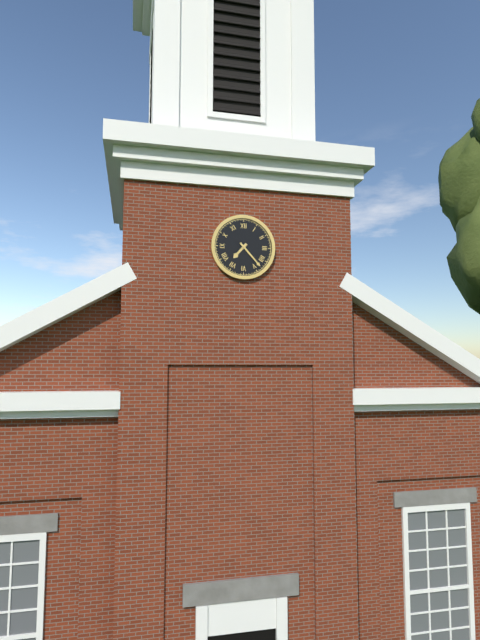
7,23
